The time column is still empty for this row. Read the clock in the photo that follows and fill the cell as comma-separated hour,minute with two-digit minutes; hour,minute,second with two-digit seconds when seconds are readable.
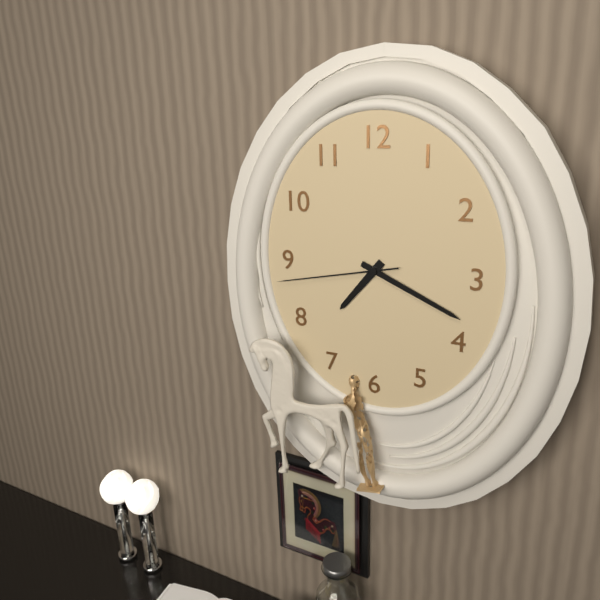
7,19,43
